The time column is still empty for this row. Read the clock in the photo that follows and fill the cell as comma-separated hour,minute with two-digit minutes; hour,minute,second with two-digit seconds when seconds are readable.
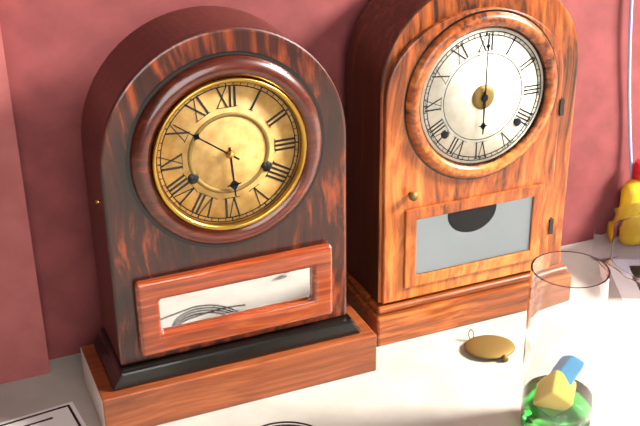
5,51
